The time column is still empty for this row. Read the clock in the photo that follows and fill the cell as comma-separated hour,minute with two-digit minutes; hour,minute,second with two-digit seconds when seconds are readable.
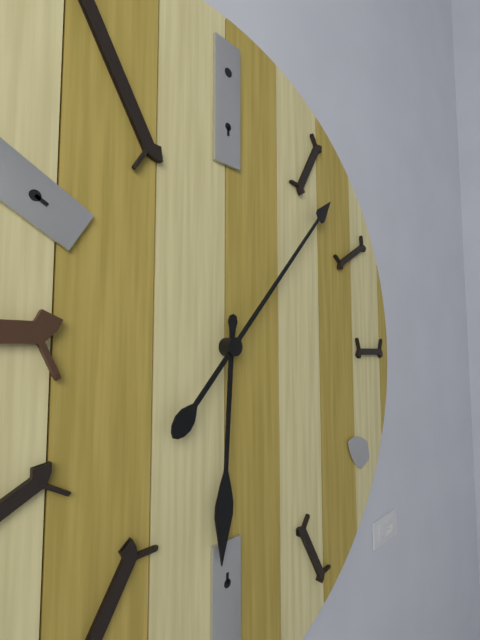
6,07
